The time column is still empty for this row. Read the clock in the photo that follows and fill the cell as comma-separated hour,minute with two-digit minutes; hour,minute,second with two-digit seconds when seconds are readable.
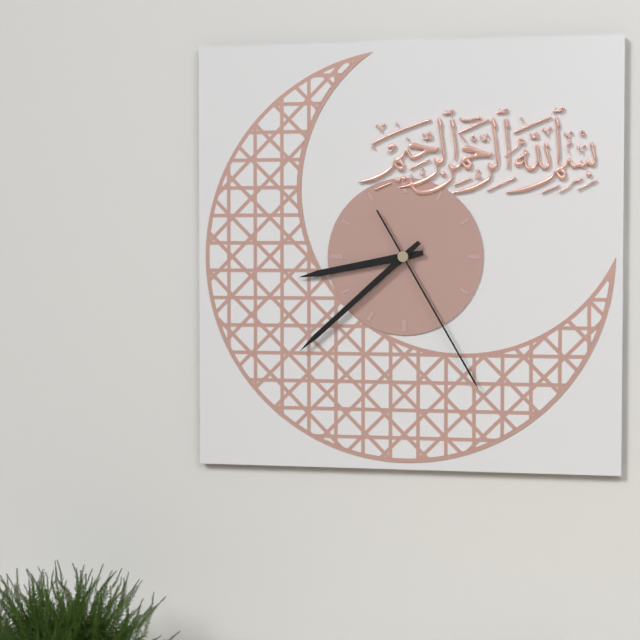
8,38,25
